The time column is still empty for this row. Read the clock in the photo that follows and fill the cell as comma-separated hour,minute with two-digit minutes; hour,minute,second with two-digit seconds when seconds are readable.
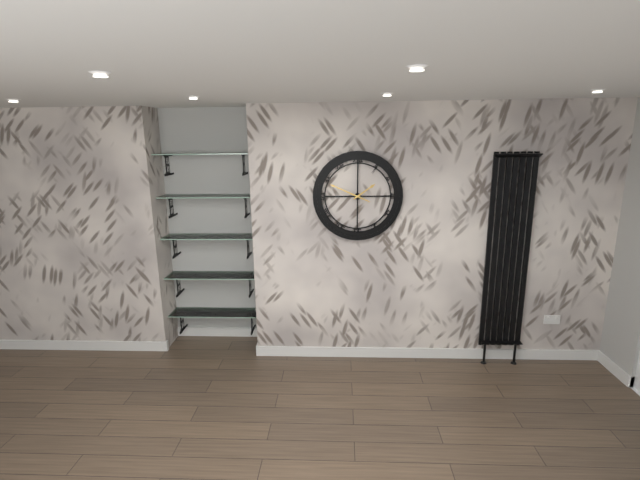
1,49
